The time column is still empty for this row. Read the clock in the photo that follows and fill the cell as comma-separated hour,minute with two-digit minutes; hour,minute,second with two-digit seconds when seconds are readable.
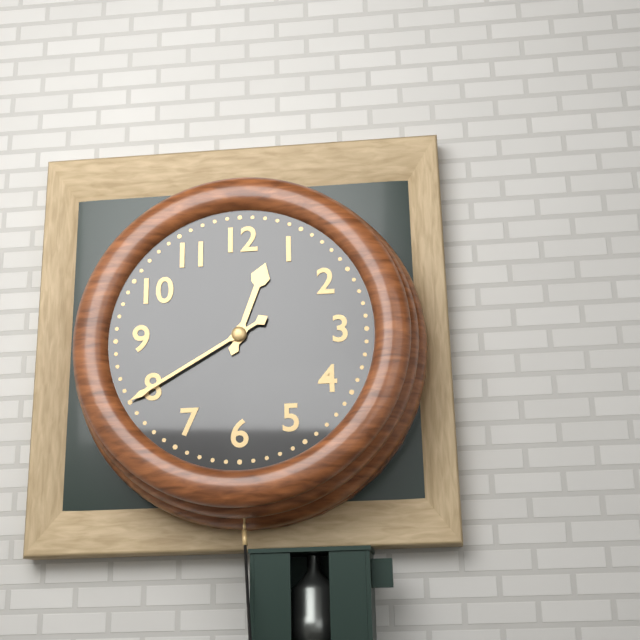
12,40
